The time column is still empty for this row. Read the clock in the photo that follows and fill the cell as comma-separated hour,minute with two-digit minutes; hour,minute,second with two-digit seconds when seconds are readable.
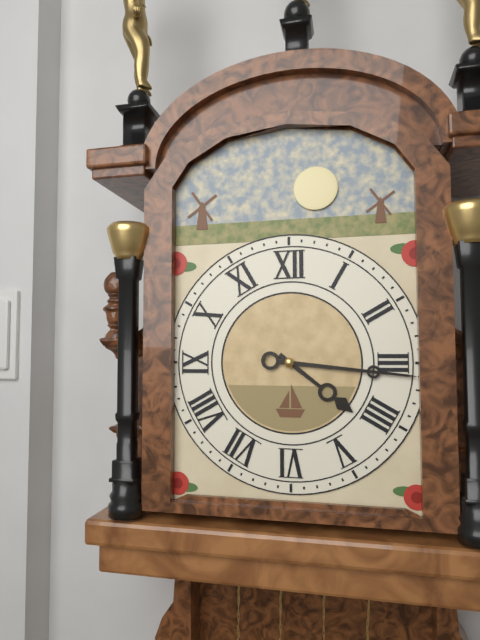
4,16
